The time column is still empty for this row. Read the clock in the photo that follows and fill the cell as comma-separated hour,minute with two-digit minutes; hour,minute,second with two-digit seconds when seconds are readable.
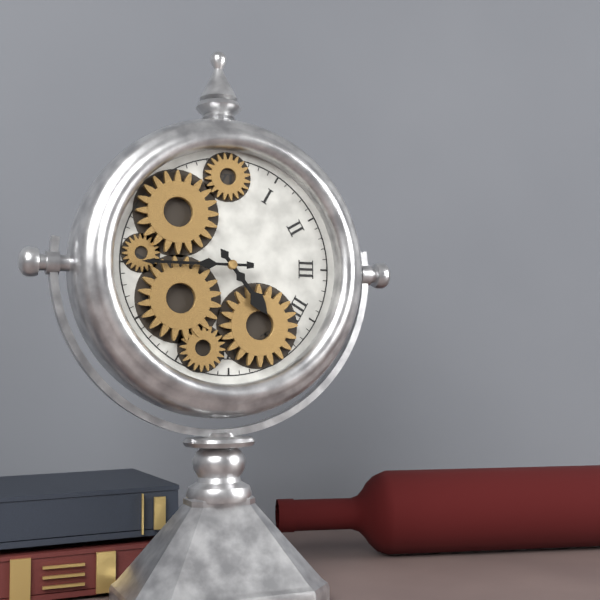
4,45
